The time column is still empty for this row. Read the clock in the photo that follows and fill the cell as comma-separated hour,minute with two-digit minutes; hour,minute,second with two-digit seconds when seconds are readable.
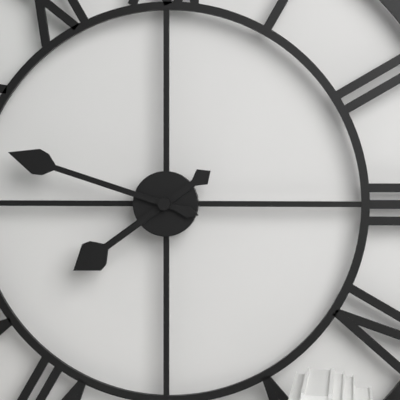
7,48
